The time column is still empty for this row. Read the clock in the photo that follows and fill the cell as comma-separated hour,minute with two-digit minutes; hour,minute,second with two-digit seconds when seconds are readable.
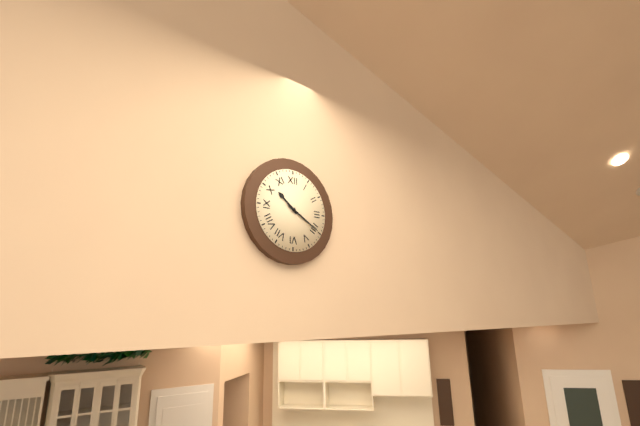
10,20
